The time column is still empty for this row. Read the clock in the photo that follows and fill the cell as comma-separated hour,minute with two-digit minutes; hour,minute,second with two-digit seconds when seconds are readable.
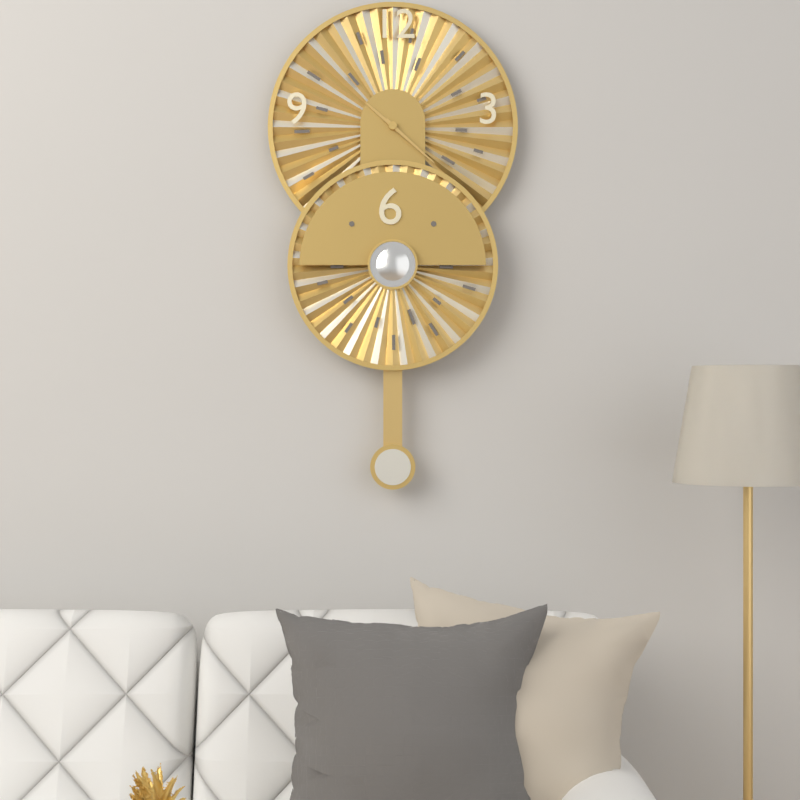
10,22
